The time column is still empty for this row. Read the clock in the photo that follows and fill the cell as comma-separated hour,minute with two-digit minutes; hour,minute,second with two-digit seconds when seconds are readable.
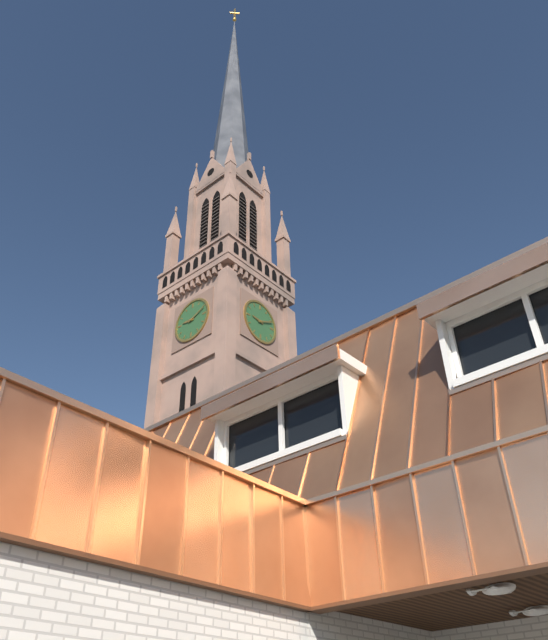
9,11
